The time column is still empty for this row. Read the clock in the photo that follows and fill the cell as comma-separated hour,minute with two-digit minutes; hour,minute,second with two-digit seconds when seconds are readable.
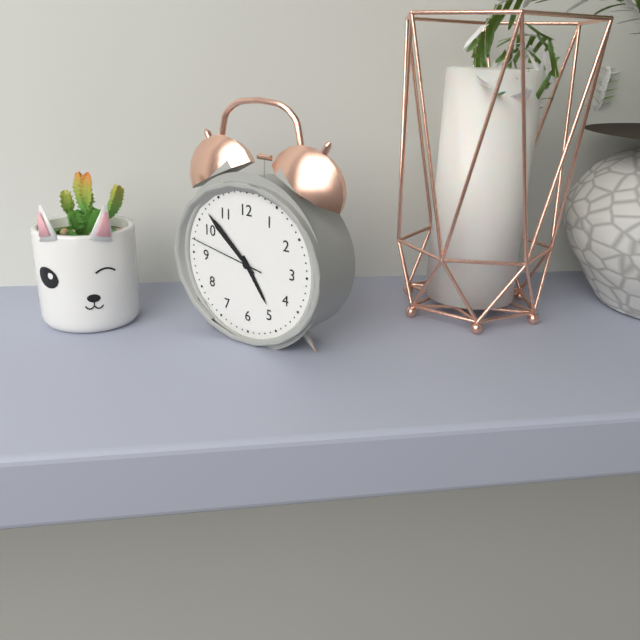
4,52,47
